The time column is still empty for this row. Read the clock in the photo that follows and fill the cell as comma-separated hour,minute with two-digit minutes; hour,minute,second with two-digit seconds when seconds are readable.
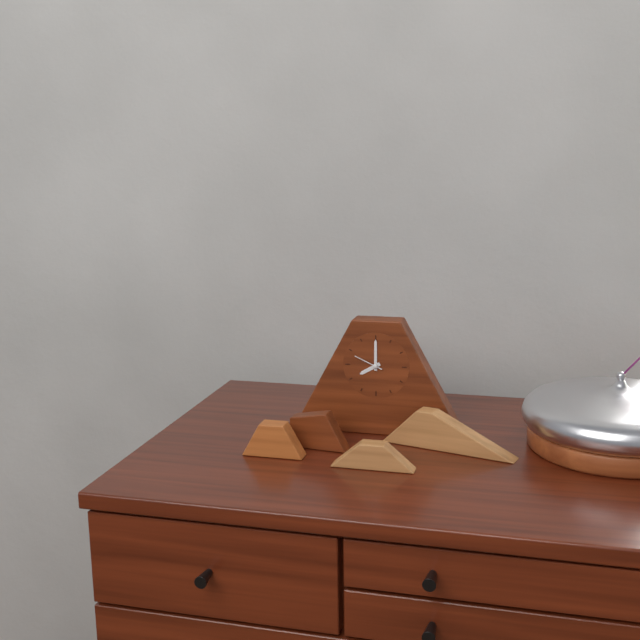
8,00
